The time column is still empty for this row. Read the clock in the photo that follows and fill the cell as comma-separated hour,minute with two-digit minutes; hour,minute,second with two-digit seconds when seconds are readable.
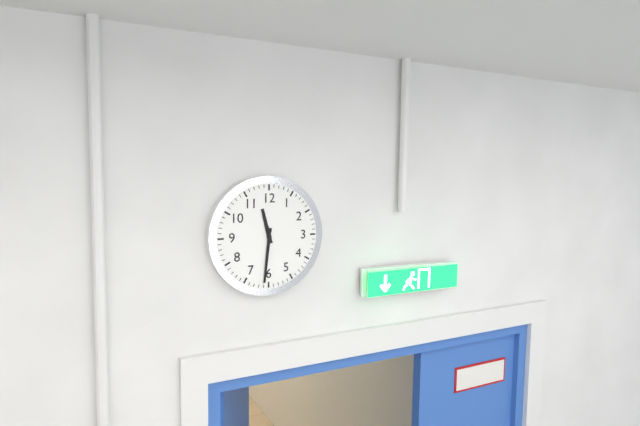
11,31
